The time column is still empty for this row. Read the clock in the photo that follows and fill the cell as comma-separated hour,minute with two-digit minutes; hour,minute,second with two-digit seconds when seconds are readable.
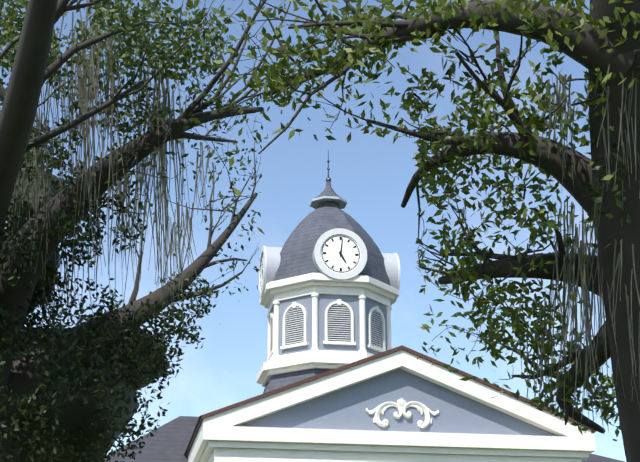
5,01
